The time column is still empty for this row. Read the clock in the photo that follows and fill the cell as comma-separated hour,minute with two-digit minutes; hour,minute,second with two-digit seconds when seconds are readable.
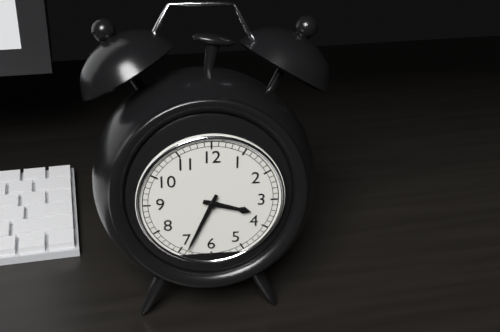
3,34
